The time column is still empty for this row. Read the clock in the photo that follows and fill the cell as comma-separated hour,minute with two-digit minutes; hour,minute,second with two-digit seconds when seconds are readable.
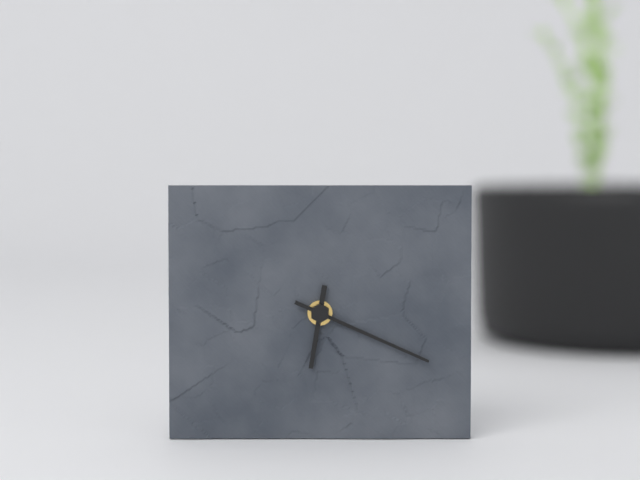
6,19
